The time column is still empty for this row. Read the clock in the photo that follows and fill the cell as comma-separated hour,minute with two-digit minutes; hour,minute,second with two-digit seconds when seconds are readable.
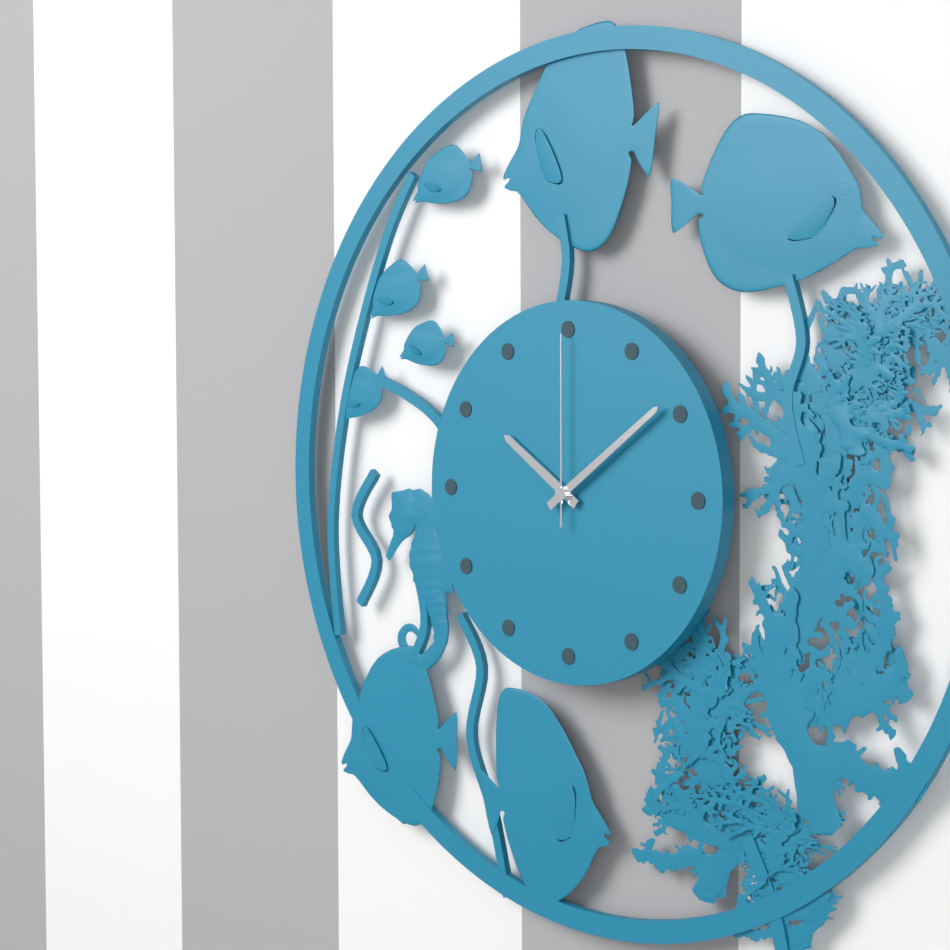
10,09,00
